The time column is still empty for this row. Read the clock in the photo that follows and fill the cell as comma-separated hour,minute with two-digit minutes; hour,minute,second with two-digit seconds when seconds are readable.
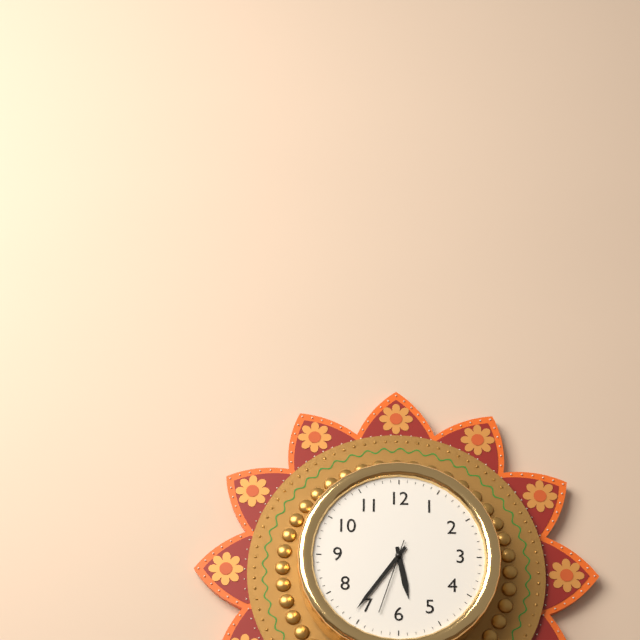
5,36
